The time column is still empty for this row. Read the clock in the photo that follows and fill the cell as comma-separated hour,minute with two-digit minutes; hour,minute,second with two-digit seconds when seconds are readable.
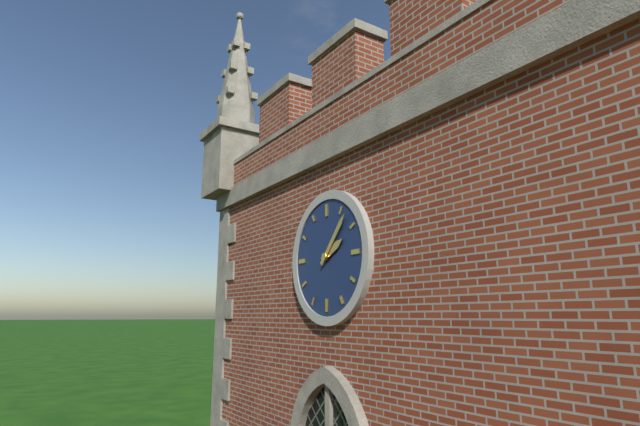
2,07
